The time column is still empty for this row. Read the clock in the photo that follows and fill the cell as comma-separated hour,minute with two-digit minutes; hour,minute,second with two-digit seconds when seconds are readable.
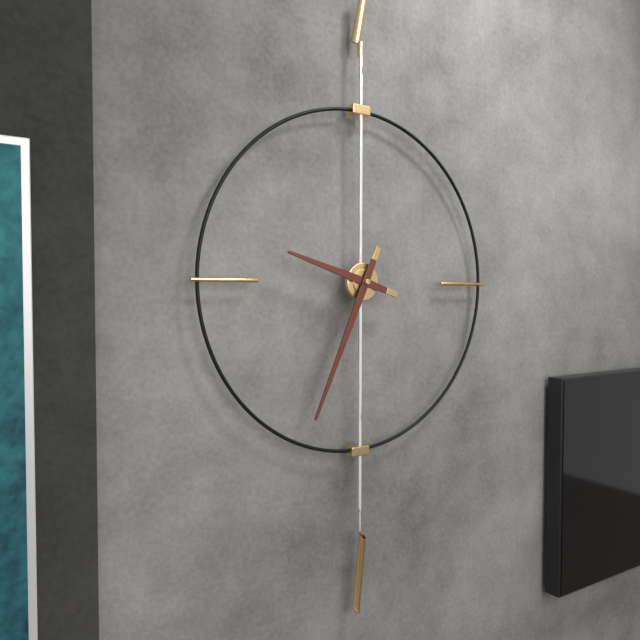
9,34
